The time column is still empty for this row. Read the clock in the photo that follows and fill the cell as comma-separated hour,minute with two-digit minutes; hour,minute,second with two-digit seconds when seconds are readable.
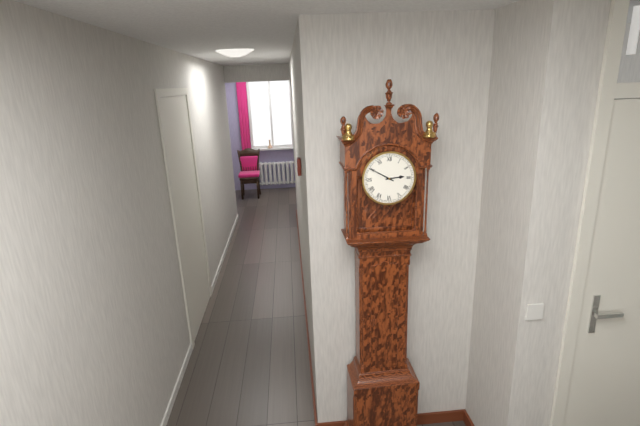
2,50
